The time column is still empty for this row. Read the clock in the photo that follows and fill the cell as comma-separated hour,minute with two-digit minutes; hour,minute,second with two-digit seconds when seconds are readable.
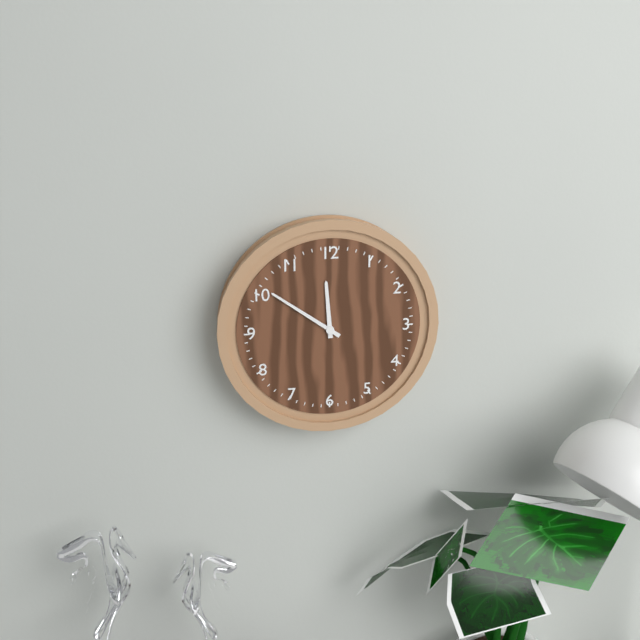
11,51
